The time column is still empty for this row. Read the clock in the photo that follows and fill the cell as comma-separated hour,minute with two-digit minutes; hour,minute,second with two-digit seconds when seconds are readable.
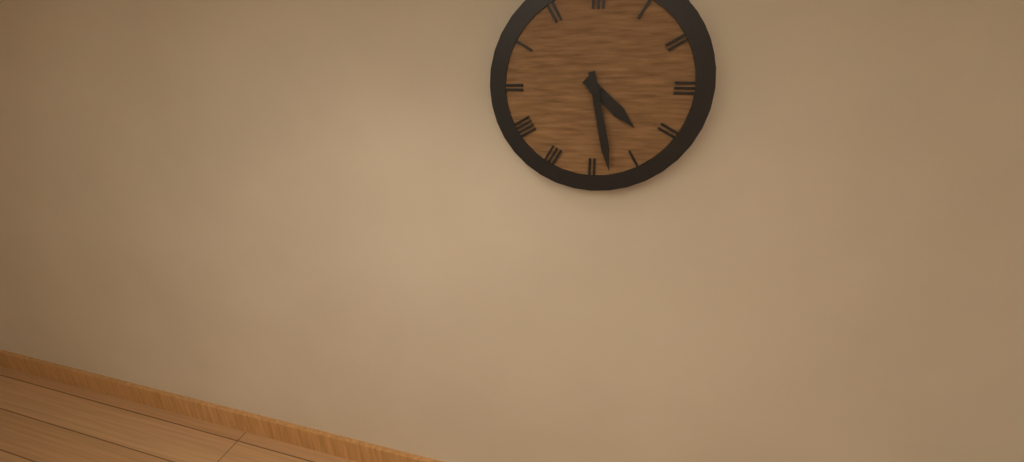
4,28
